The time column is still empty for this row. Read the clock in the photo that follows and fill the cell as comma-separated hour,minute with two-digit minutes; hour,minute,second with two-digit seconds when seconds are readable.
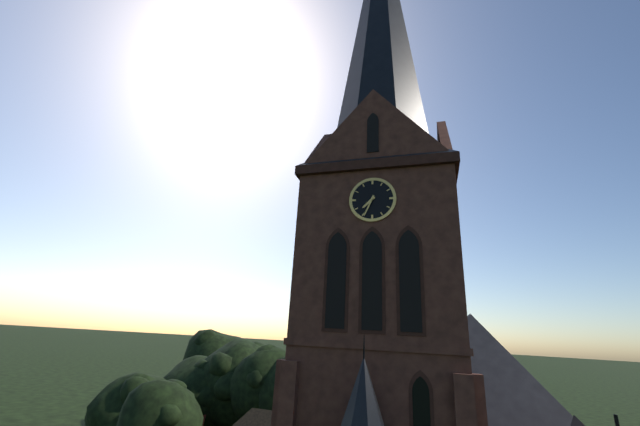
7,34
